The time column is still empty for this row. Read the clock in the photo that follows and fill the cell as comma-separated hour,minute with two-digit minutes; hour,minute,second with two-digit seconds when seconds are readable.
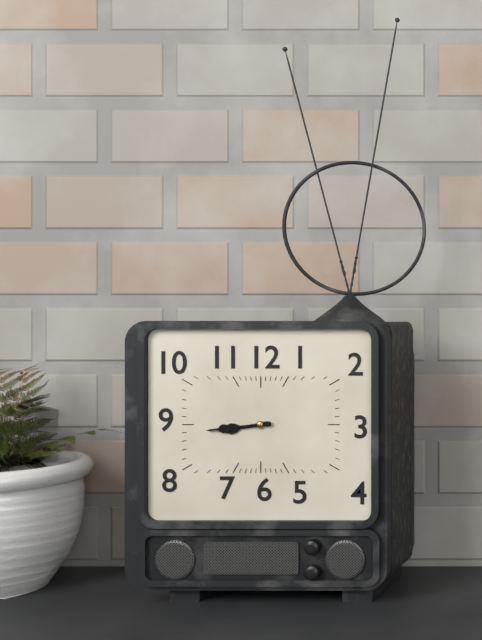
8,44
